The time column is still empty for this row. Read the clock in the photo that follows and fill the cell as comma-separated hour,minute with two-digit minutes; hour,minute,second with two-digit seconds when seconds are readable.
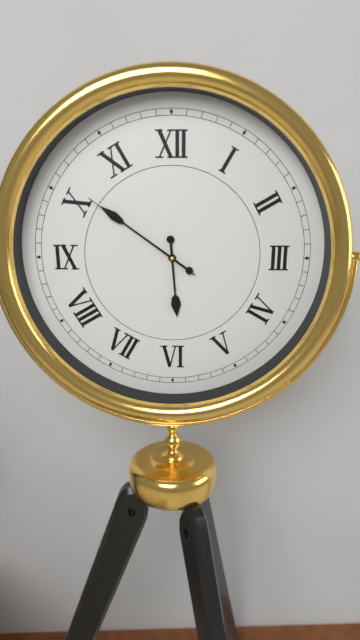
5,51,51
